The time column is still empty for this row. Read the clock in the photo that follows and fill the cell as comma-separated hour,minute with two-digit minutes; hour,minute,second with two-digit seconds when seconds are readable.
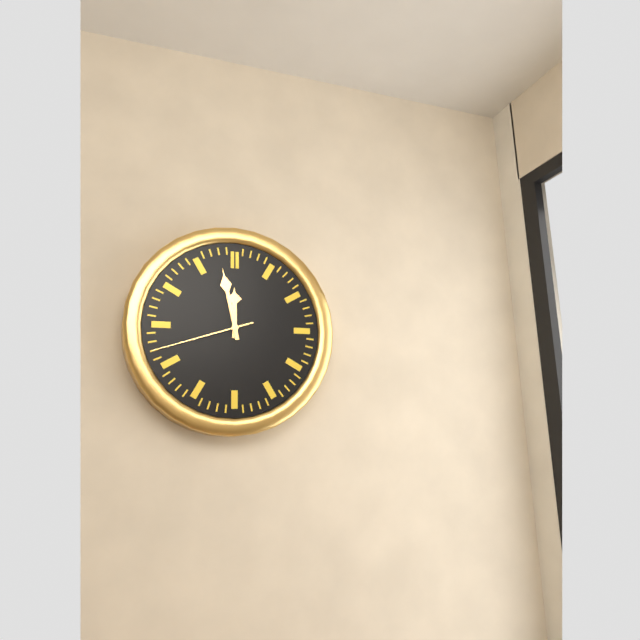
11,58,42
